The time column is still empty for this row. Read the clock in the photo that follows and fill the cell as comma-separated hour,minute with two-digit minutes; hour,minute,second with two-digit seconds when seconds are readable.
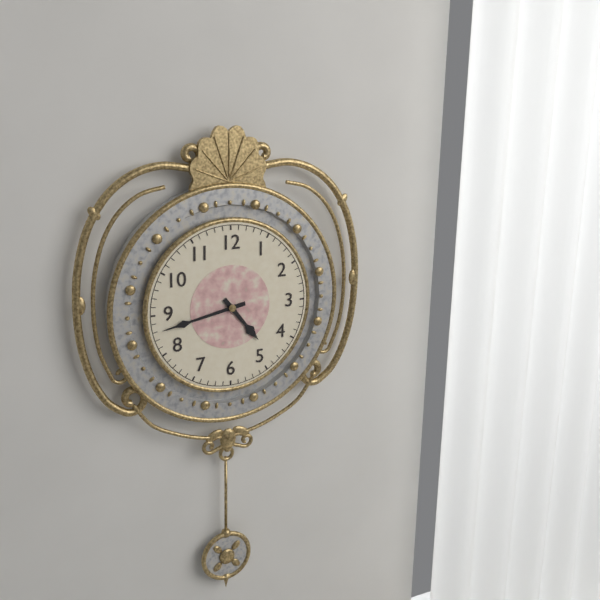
4,43
